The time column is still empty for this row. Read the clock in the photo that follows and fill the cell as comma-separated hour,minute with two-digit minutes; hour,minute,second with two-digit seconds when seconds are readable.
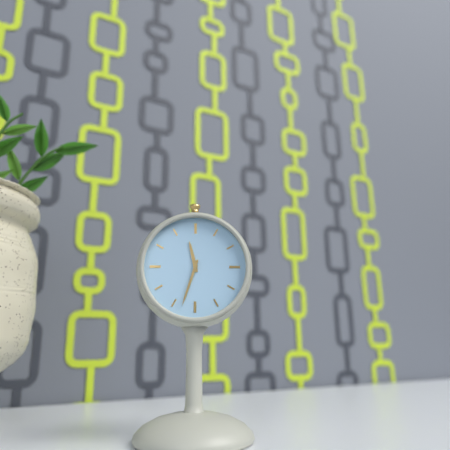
11,33
